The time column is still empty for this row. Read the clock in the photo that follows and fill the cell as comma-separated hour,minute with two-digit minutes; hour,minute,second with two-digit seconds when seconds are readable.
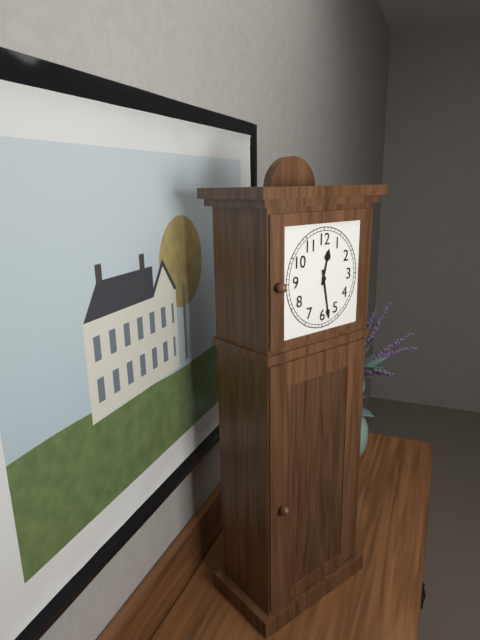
12,28
